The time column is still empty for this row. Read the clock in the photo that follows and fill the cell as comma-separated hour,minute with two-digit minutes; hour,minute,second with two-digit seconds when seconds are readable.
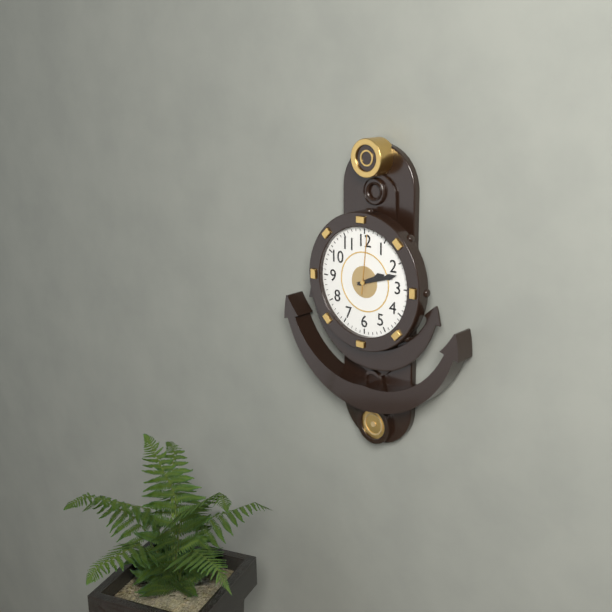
2,12,01
